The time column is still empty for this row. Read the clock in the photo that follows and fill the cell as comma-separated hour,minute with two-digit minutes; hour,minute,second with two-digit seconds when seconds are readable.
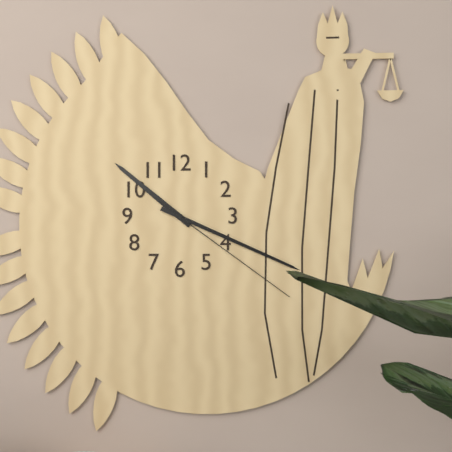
10,19,21
